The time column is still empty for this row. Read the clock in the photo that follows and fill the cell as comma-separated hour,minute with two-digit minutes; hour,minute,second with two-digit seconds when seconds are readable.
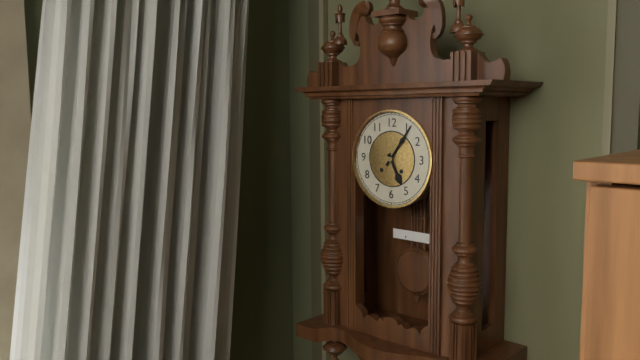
5,06
